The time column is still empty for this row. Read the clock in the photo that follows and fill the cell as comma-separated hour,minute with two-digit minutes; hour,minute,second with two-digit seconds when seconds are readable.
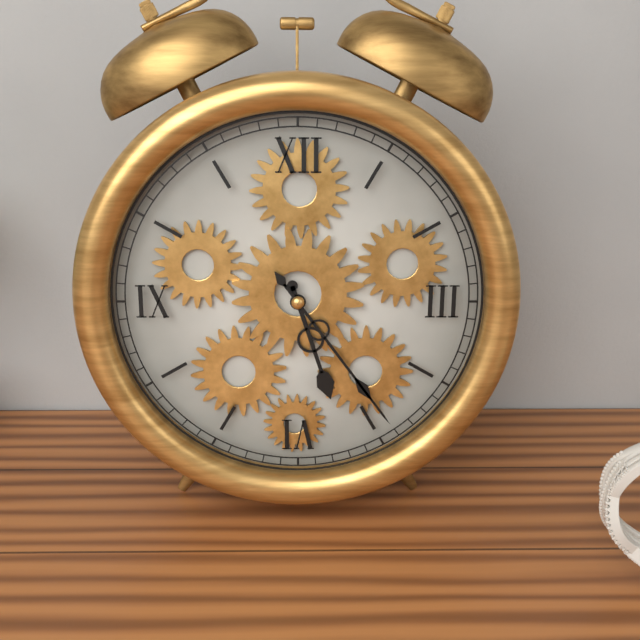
5,24
